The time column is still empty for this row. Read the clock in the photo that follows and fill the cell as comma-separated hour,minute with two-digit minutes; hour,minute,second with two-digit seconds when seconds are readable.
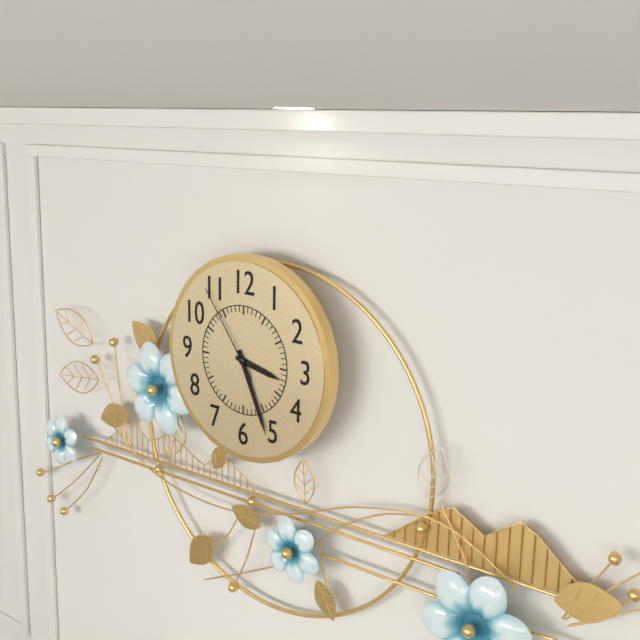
3,26,54
